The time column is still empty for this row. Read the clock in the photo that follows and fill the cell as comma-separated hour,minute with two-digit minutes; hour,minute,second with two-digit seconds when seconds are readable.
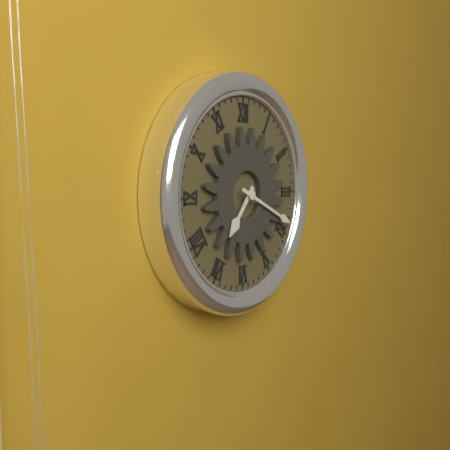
7,19
